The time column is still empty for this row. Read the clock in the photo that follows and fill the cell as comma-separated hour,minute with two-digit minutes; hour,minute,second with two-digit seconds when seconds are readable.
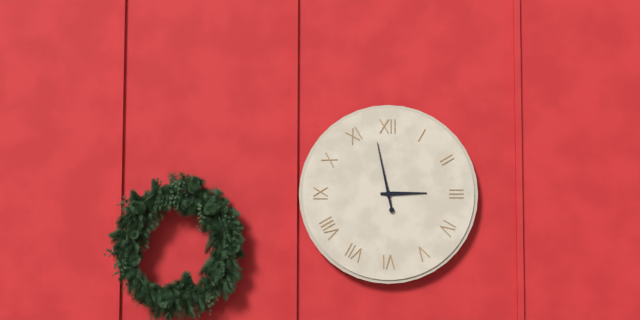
2,58
